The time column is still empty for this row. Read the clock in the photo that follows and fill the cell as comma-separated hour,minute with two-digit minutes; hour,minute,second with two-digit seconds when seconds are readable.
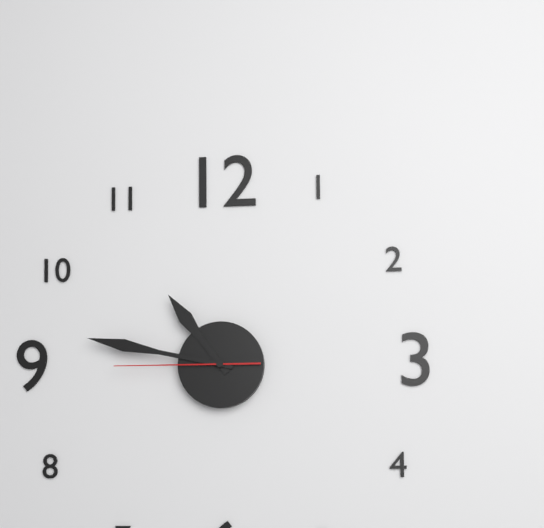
10,47,45
